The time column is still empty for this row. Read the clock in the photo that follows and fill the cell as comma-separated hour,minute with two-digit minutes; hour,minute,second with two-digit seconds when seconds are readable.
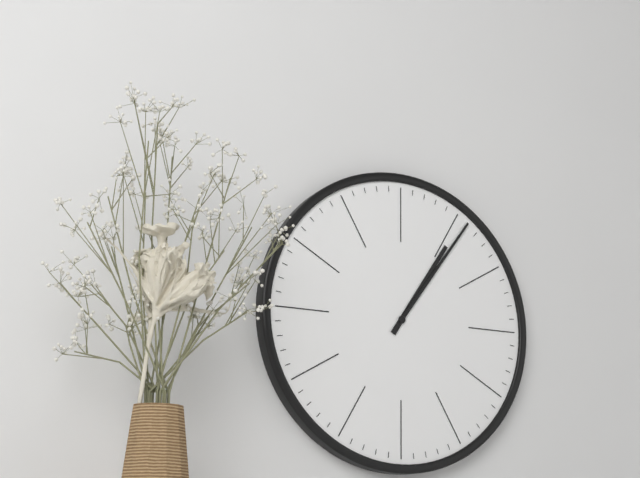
1,06
